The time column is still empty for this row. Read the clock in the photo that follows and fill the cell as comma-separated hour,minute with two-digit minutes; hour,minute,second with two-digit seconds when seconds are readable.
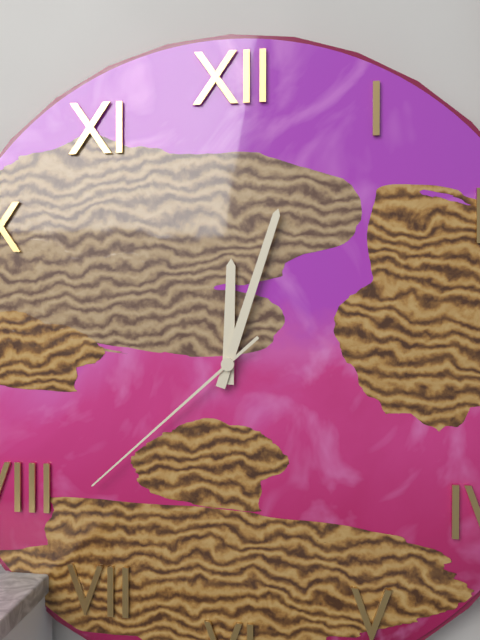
12,03,38
